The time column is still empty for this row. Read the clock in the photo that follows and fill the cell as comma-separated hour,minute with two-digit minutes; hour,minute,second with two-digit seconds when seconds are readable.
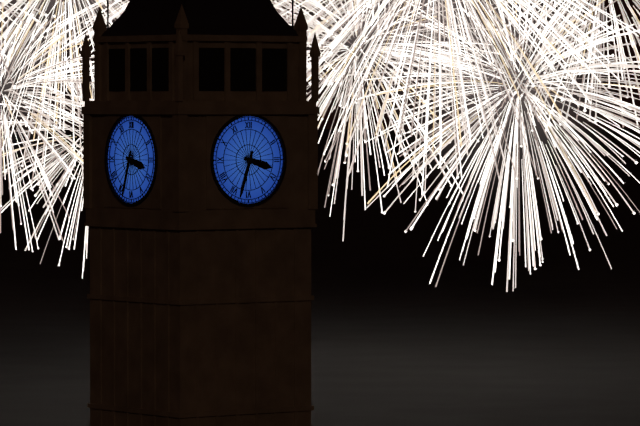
3,33
